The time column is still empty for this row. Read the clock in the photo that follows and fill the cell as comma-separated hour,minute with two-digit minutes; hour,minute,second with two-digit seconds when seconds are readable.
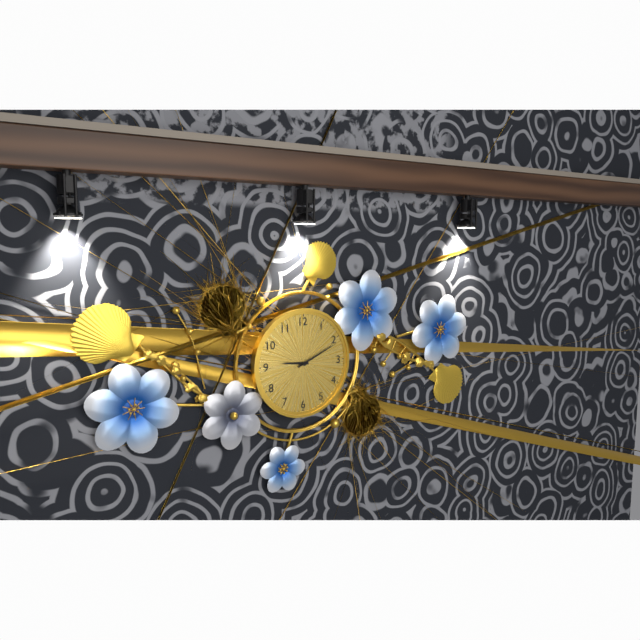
9,11
